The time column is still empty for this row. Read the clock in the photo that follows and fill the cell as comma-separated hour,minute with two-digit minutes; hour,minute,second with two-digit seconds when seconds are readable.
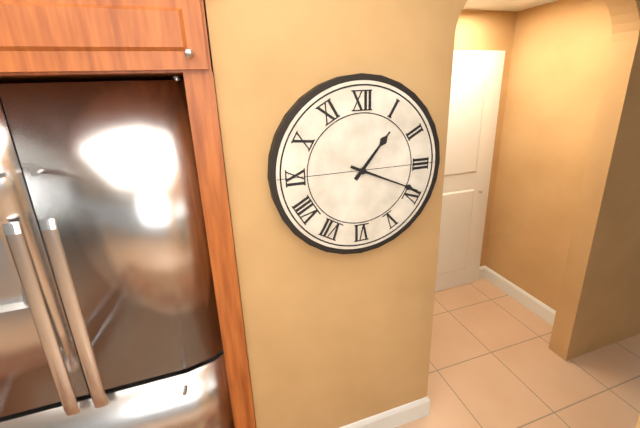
1,19
